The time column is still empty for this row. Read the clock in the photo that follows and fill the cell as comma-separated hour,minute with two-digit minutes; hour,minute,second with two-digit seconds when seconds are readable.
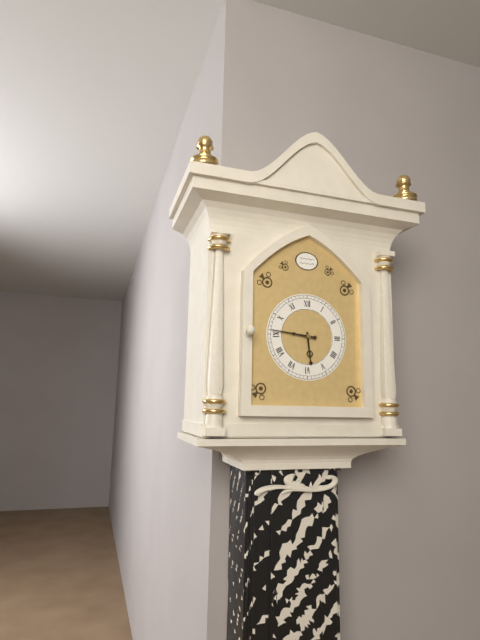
5,46
